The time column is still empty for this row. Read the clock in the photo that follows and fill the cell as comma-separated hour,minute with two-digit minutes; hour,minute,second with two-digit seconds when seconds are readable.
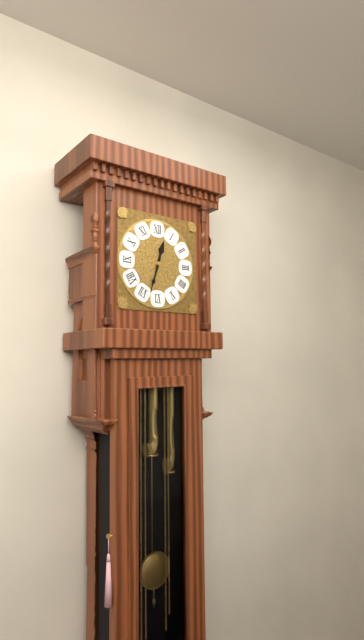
12,33
